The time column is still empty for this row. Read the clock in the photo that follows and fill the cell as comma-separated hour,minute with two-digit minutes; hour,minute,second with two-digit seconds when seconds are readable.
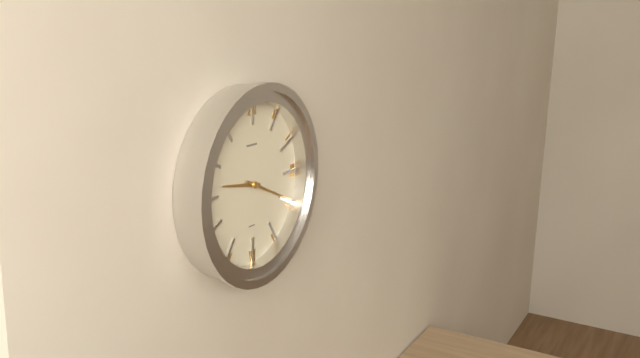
9,19
